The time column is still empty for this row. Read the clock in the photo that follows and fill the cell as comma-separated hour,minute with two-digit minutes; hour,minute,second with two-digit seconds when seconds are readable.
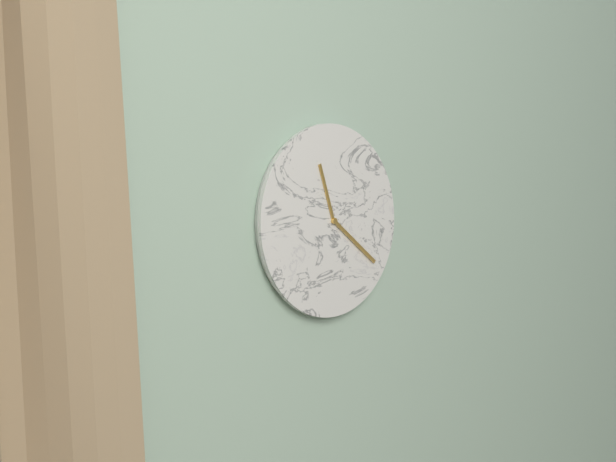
11,21
